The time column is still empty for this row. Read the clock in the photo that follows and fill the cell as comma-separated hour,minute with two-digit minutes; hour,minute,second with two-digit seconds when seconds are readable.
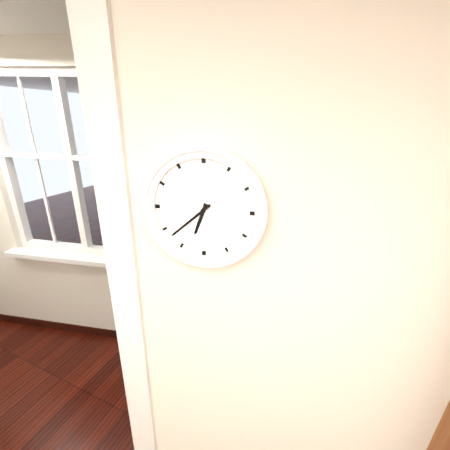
6,38
